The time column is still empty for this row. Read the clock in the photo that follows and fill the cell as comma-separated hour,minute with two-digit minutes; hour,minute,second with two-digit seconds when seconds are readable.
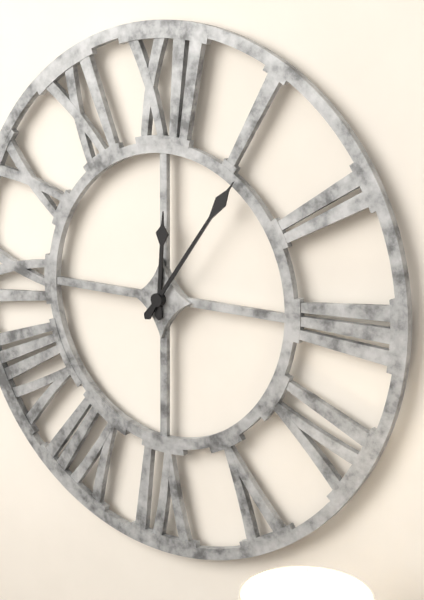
12,06
